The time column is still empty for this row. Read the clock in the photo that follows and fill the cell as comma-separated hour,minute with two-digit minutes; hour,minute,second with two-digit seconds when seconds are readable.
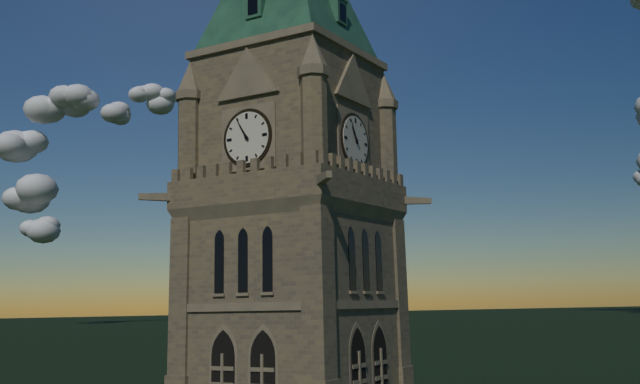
10,55
